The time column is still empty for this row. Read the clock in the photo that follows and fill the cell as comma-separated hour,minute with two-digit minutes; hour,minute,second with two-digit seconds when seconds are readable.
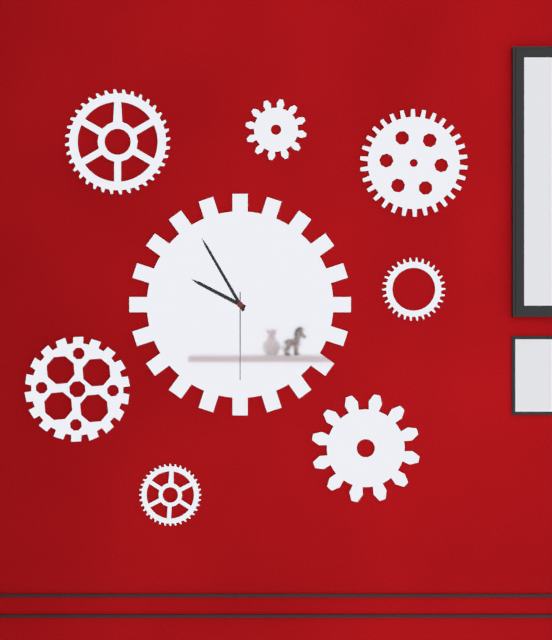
9,55,30
